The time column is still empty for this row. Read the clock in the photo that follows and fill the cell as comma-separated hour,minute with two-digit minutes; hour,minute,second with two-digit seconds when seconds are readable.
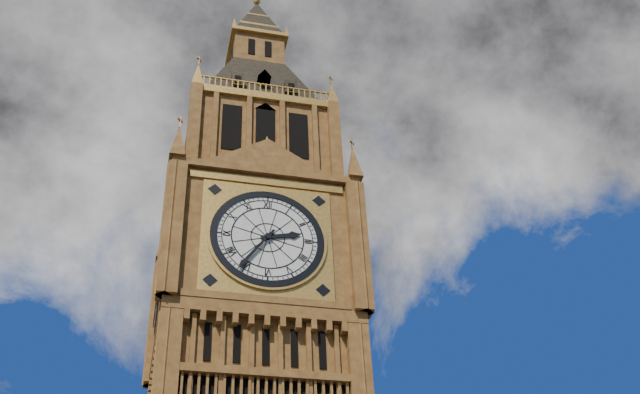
2,36
